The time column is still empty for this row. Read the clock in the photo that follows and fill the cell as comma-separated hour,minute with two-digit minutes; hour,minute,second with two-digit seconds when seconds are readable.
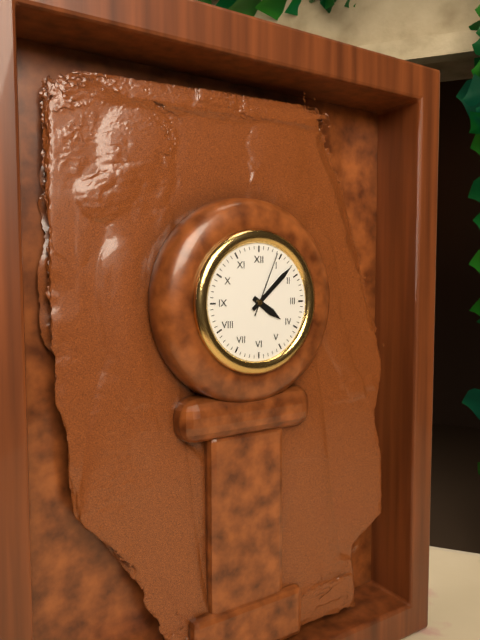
4,08,04
